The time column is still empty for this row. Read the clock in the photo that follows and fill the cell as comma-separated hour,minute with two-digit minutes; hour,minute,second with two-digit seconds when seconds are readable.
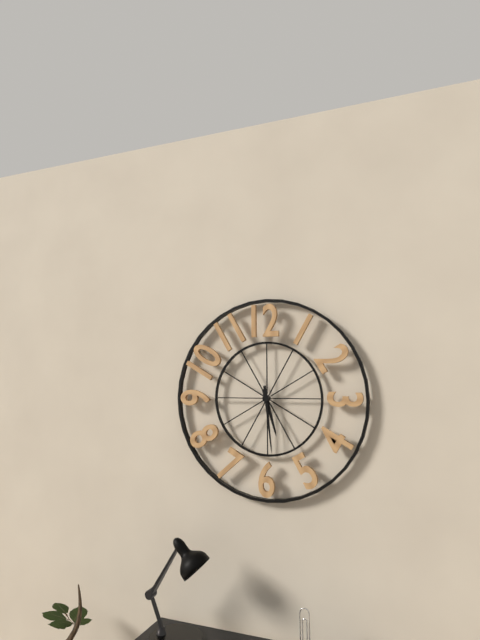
5,29
